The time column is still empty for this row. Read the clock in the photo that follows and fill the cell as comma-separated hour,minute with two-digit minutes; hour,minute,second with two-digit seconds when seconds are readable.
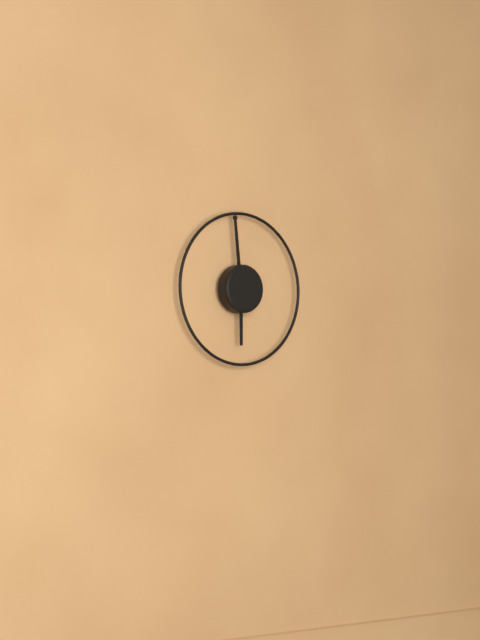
5,59
